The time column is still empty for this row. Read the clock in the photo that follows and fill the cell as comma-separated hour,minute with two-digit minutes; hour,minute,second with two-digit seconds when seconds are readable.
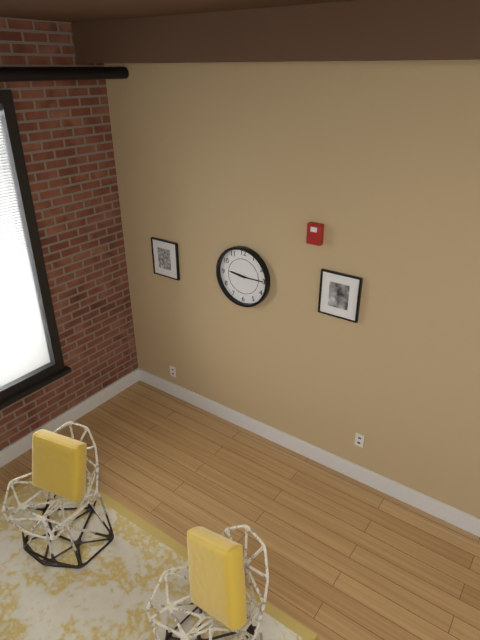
9,15
